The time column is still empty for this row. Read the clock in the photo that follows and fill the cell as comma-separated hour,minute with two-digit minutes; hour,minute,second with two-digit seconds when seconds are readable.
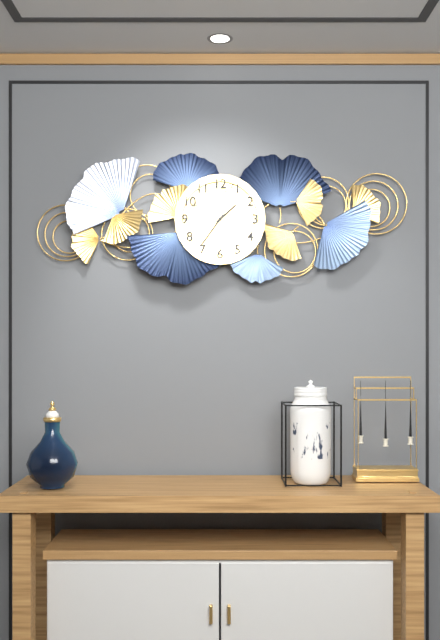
1,36
